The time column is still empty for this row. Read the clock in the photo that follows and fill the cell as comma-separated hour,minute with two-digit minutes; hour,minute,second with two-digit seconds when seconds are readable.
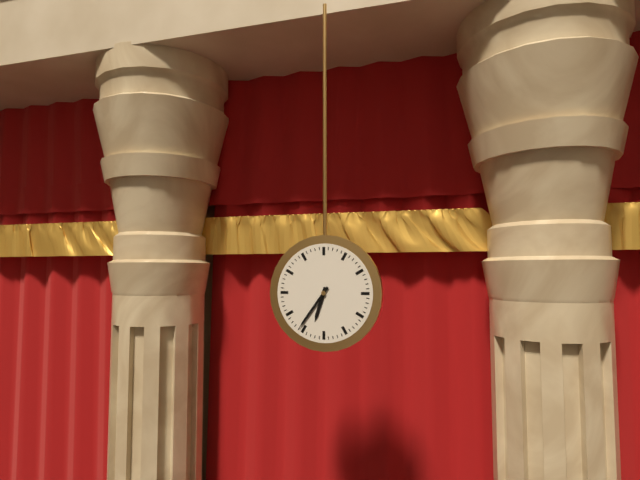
6,36
